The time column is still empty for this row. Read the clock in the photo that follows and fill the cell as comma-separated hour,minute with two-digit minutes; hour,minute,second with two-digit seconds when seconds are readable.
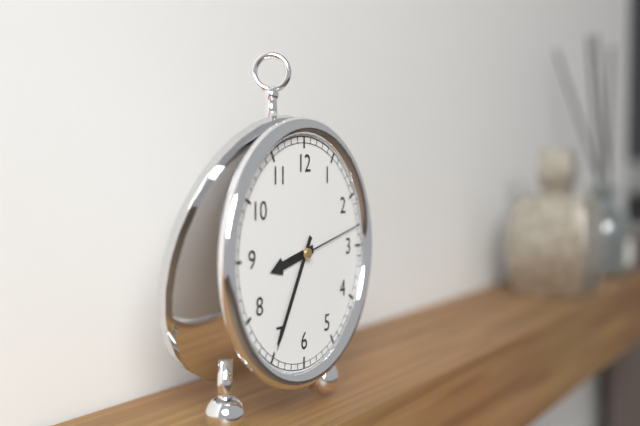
8,35,13
